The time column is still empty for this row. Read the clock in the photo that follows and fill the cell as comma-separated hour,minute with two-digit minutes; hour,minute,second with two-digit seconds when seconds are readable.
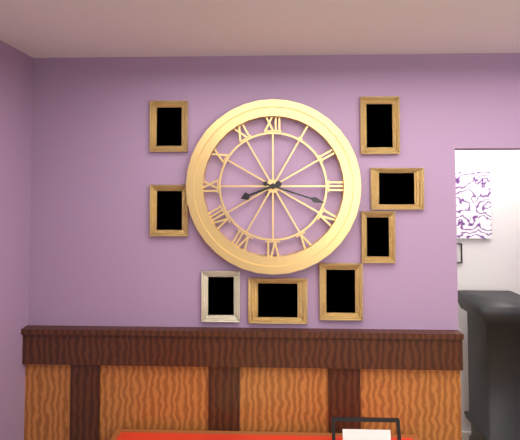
8,18
